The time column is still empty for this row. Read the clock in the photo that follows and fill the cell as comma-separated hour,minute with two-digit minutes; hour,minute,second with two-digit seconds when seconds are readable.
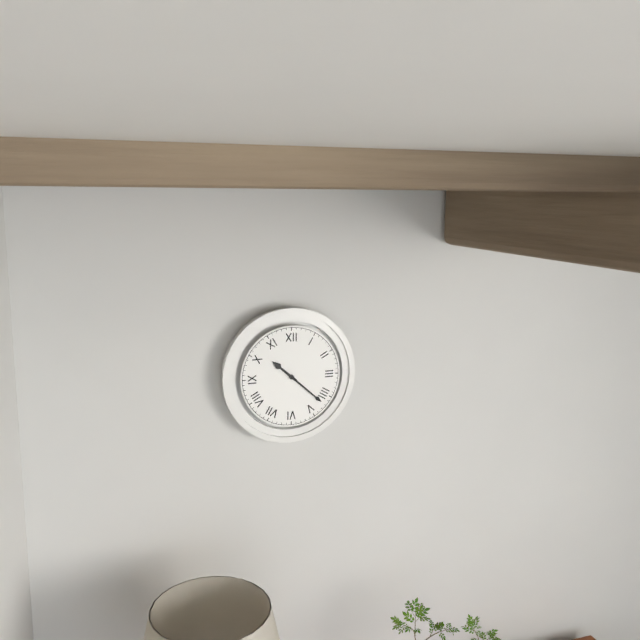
10,22
